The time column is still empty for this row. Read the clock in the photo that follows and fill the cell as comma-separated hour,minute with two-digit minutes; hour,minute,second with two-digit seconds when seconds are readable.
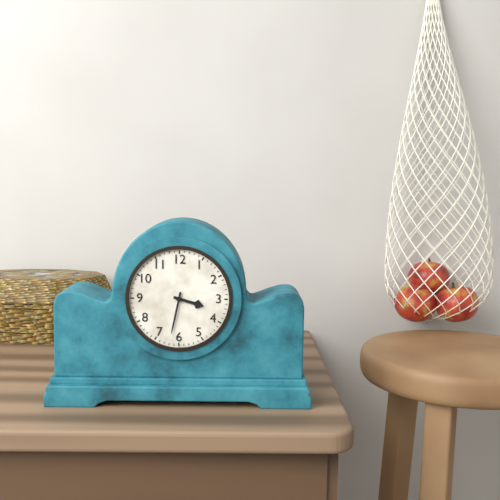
3,32
